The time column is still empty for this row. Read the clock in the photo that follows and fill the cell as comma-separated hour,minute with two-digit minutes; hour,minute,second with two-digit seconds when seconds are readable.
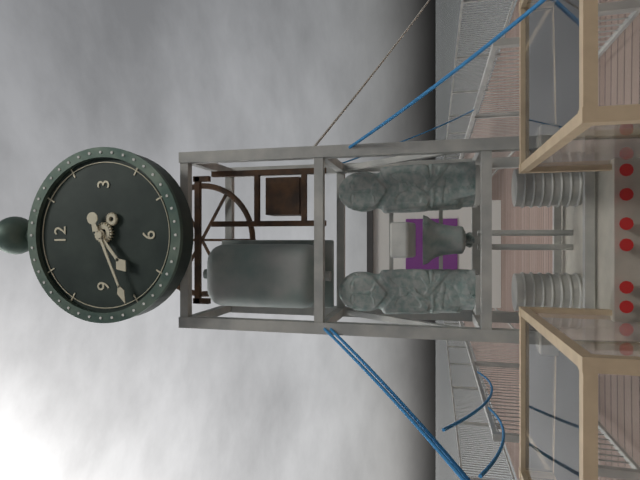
7,41
